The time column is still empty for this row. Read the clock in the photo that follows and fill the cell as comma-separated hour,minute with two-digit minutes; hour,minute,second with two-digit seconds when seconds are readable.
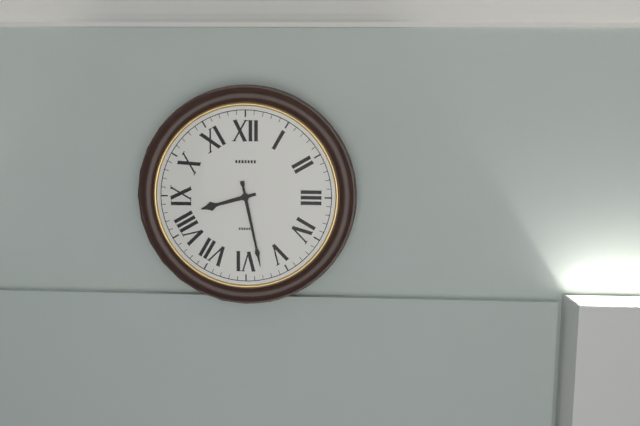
8,28
